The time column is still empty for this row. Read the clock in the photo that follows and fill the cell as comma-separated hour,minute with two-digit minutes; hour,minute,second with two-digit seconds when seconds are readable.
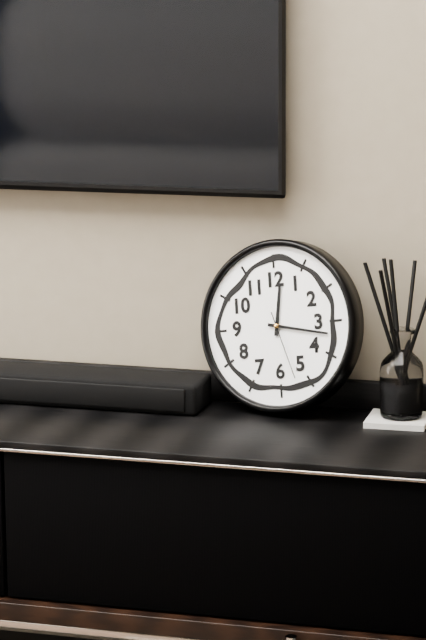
12,17,27
